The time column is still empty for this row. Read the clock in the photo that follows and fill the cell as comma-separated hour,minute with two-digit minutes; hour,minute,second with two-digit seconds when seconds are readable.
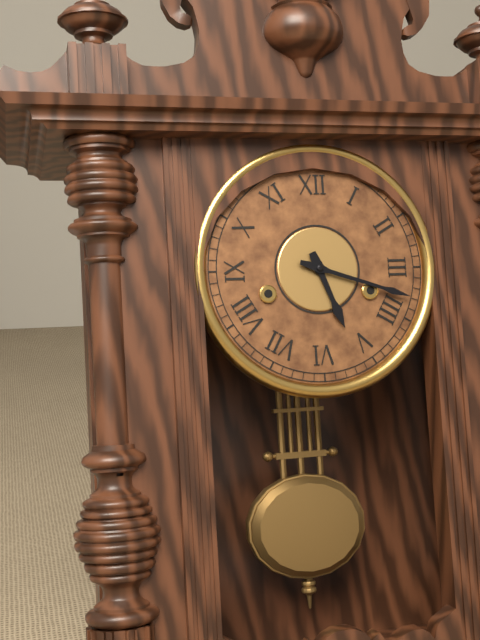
5,18
